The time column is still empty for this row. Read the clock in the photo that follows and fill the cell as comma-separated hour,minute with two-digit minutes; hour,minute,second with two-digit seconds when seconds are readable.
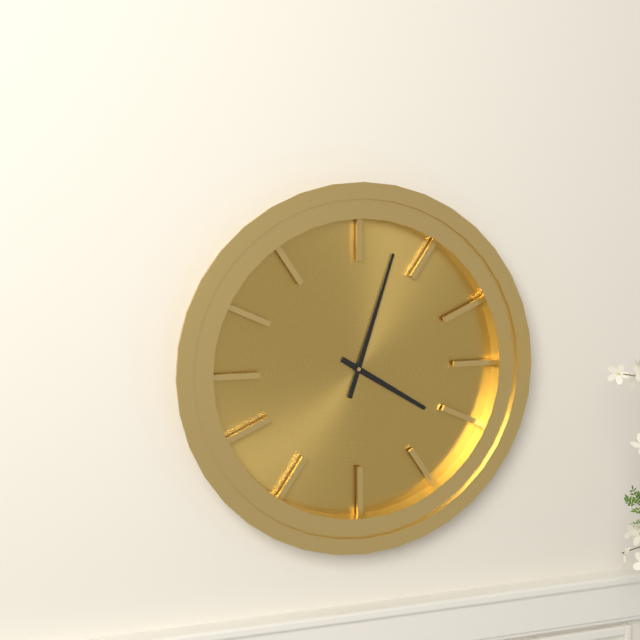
4,03
